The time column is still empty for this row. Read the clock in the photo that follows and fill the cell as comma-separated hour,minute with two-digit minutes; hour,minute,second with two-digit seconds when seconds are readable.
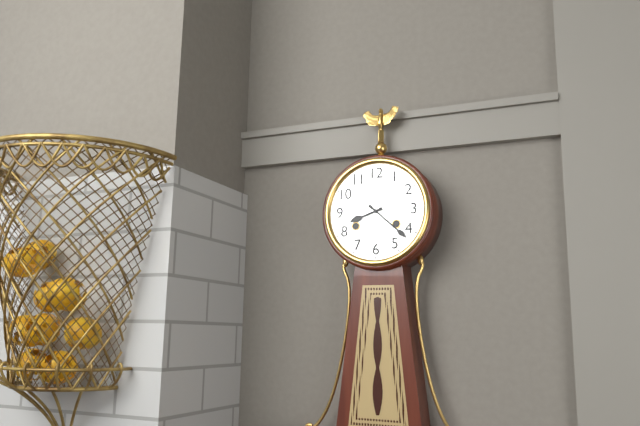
8,22
